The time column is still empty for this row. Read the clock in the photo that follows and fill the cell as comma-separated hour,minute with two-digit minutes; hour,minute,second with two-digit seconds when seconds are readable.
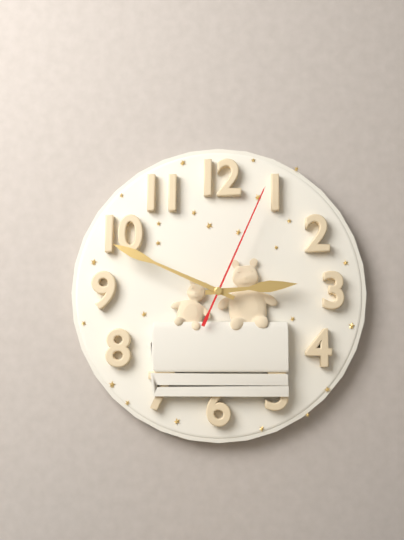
2,49,04
